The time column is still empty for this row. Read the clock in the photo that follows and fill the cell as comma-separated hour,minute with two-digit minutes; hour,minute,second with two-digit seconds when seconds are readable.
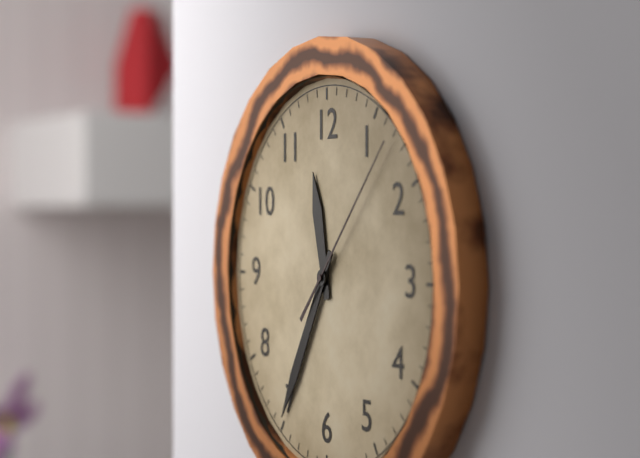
11,35,07
